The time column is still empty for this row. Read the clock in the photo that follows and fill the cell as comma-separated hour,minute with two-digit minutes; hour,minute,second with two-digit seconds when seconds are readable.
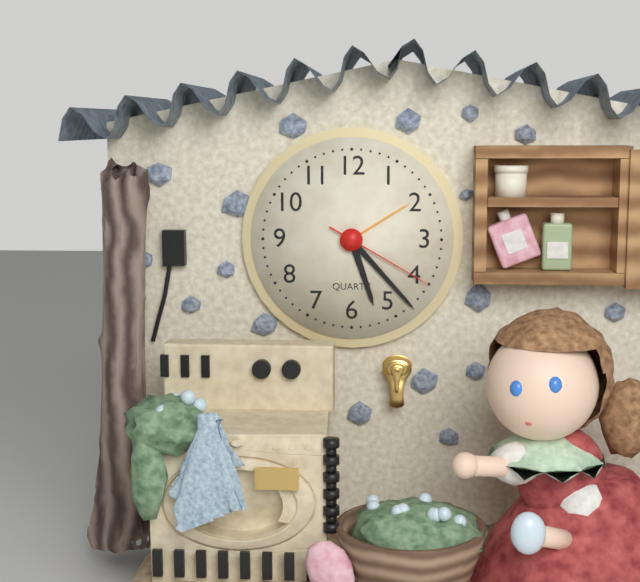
5,23,20
